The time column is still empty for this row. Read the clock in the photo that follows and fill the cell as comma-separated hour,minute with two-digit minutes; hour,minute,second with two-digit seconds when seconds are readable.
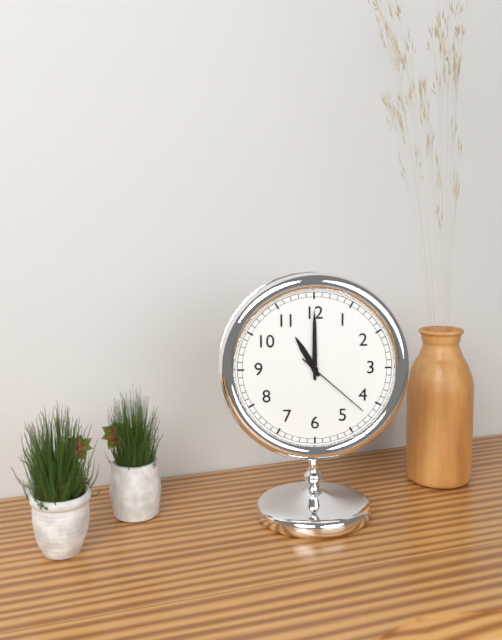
11,00,22
